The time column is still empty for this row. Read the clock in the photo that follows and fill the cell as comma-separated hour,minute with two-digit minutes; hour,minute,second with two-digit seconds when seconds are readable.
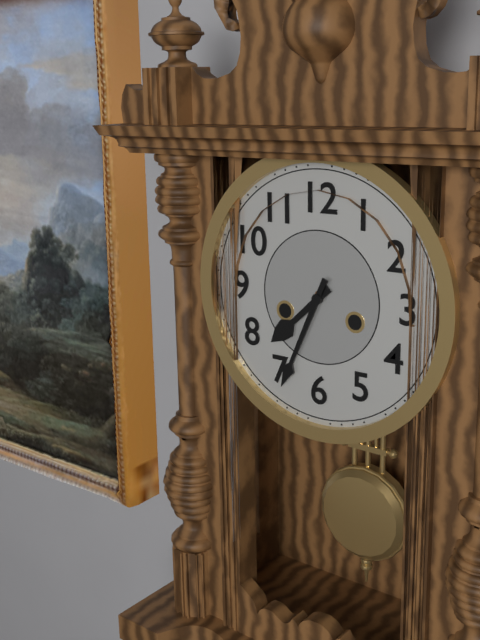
7,34
